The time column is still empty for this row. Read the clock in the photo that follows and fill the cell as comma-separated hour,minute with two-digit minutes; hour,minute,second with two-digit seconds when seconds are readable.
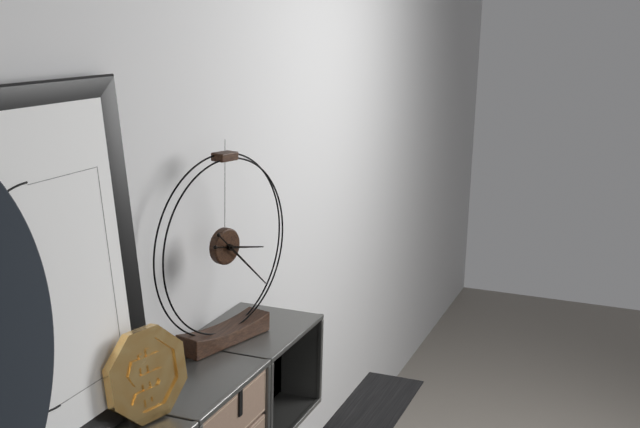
3,22
